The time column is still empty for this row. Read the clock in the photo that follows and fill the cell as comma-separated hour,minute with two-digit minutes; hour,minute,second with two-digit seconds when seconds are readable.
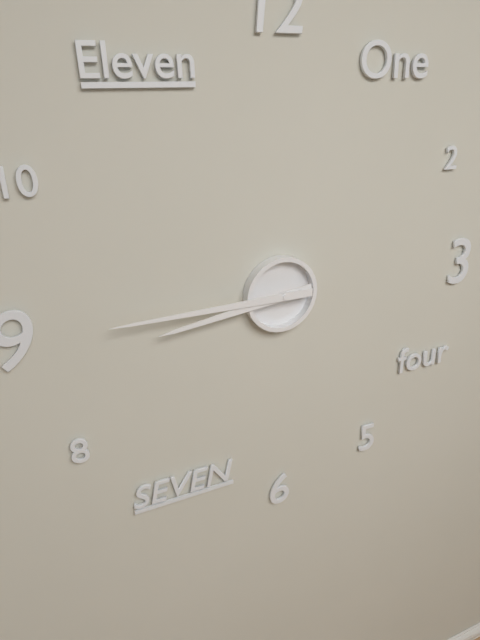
8,45
